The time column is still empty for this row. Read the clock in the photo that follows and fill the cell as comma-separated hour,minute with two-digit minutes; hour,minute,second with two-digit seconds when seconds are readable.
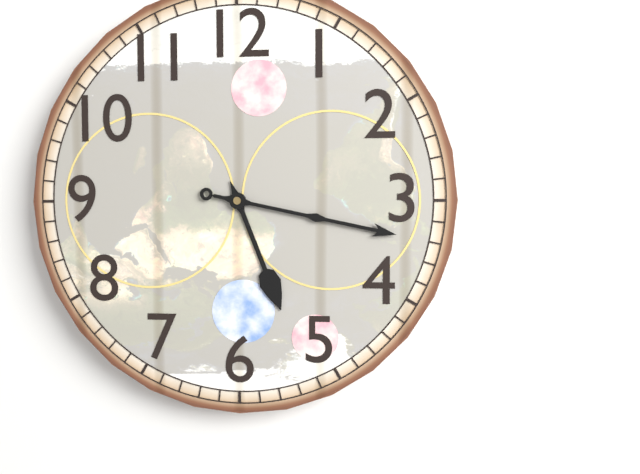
5,17
